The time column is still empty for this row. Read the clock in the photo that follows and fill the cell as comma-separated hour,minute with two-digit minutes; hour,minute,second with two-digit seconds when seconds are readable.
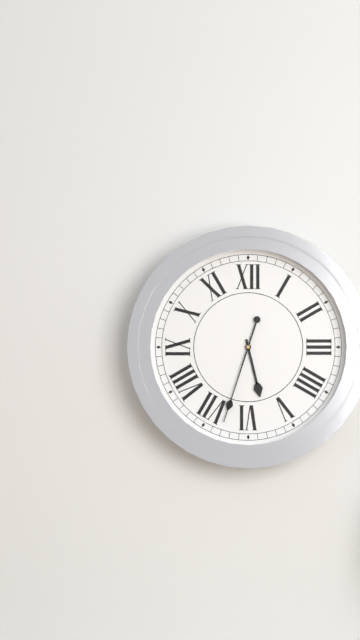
5,33
